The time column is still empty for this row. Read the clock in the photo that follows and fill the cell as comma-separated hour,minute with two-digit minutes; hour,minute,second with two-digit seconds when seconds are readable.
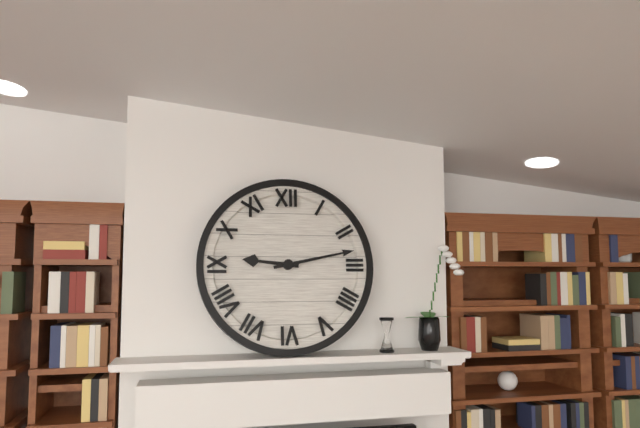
9,13
